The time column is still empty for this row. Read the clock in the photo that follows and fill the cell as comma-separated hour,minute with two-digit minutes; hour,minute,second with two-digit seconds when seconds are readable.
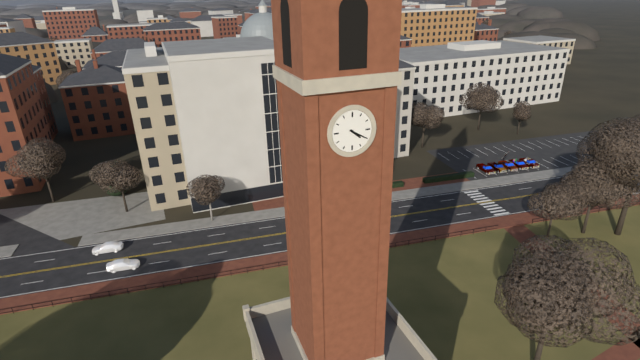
4,20
